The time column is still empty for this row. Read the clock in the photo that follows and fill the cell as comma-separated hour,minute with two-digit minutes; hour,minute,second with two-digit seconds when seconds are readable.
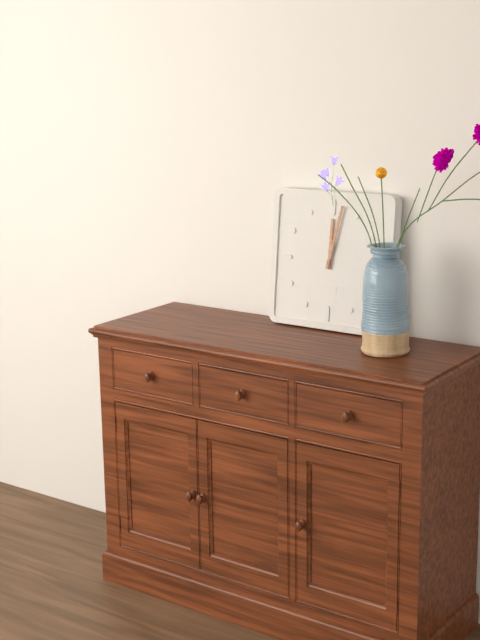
12,02
